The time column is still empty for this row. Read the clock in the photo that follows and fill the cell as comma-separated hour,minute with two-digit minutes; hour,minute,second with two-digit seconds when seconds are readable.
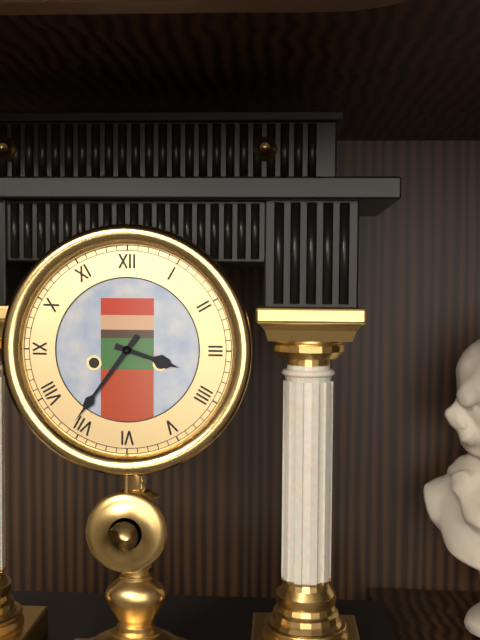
3,36
